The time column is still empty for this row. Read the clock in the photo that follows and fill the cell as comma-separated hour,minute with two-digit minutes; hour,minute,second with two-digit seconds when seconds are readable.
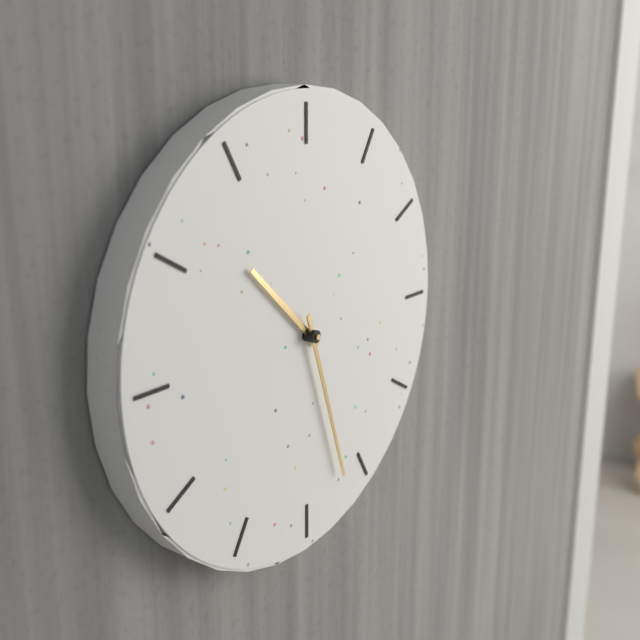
10,27
